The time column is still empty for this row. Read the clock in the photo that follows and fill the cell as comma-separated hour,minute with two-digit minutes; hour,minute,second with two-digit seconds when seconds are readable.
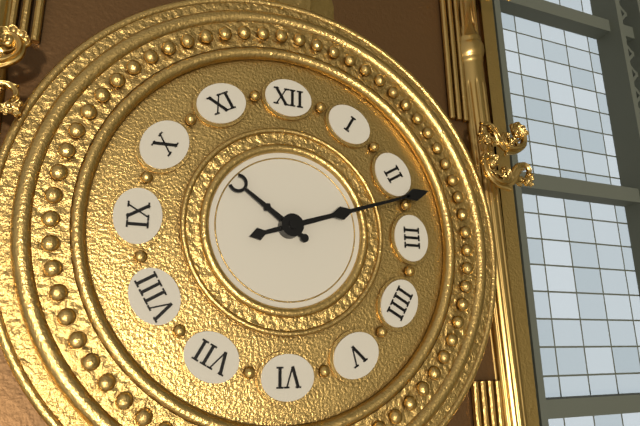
10,12
